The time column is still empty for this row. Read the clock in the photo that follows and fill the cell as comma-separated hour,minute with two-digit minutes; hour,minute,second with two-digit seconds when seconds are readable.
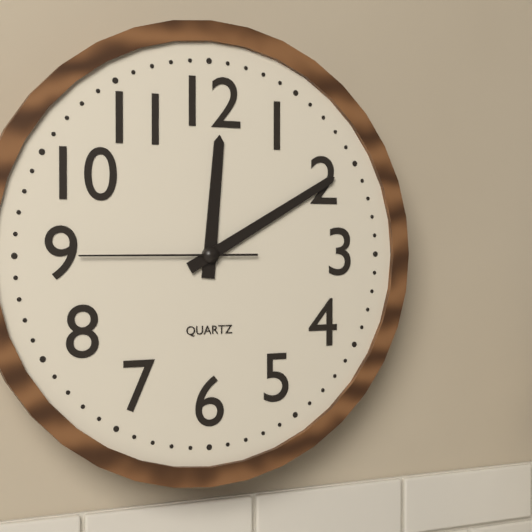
12,10,45
